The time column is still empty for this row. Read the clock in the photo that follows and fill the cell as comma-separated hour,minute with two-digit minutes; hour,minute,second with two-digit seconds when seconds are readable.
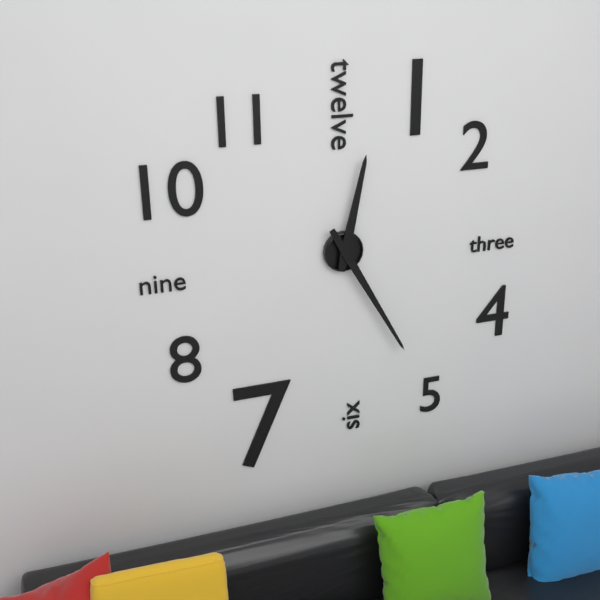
12,25
